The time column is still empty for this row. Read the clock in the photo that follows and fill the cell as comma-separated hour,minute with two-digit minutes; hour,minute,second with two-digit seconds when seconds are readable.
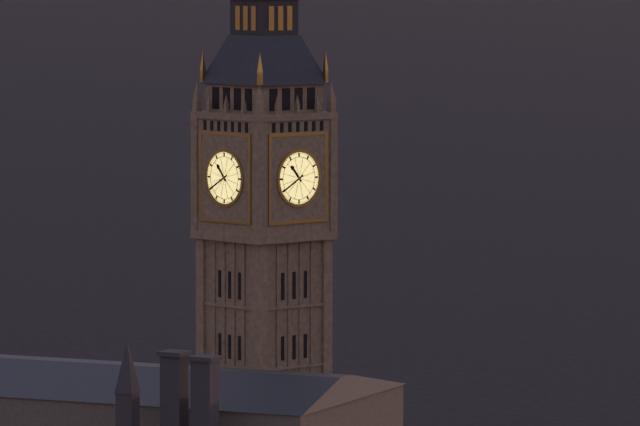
10,40
